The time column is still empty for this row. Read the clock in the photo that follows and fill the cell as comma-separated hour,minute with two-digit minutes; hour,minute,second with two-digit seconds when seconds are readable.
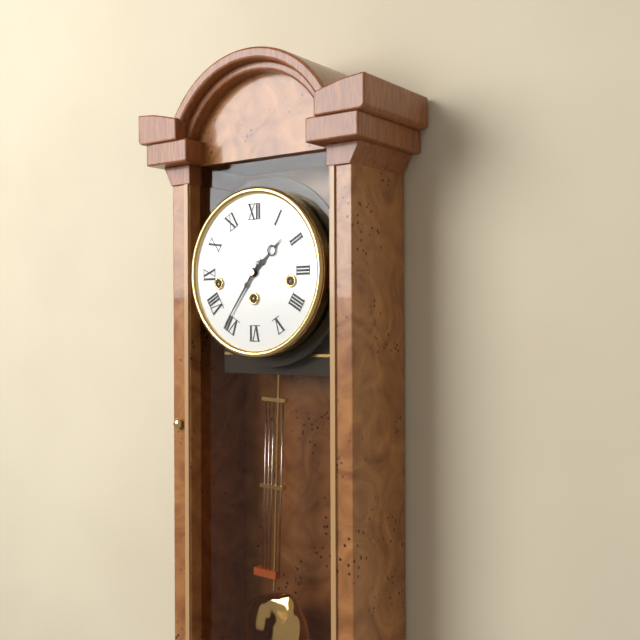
1,36
